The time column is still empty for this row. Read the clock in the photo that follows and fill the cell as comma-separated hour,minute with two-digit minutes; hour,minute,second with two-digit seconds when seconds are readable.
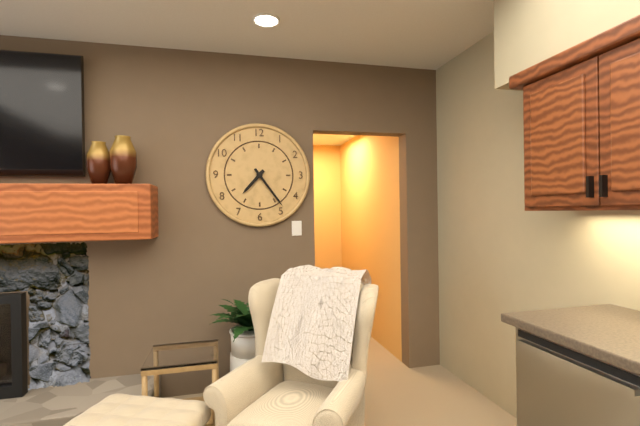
7,24
